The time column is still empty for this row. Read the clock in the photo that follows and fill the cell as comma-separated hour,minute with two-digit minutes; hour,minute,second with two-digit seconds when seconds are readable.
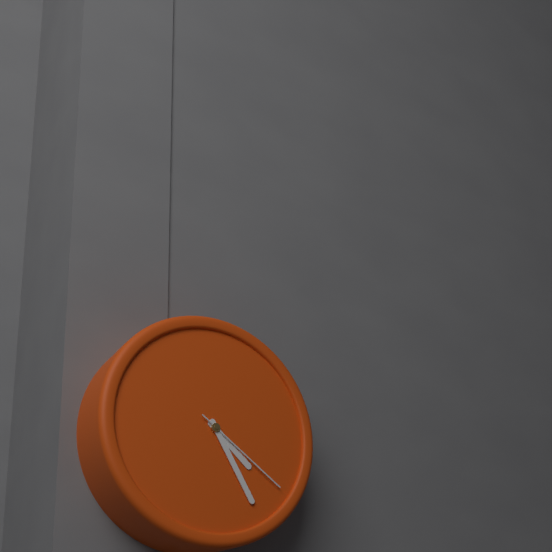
4,25,21
